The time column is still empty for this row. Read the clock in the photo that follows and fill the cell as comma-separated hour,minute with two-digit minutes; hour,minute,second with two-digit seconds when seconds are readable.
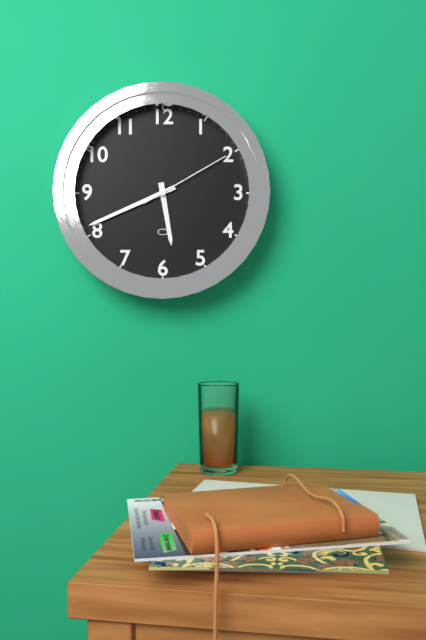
5,41,10
